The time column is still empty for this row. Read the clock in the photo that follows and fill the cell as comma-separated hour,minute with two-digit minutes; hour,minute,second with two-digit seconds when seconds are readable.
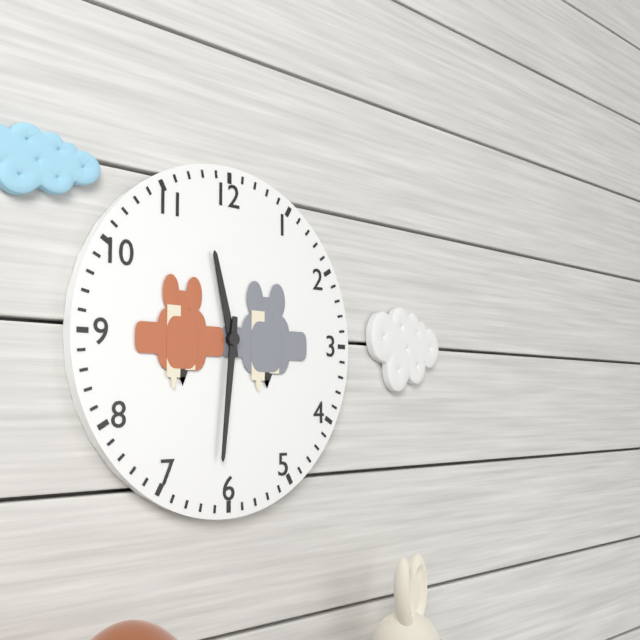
11,31
